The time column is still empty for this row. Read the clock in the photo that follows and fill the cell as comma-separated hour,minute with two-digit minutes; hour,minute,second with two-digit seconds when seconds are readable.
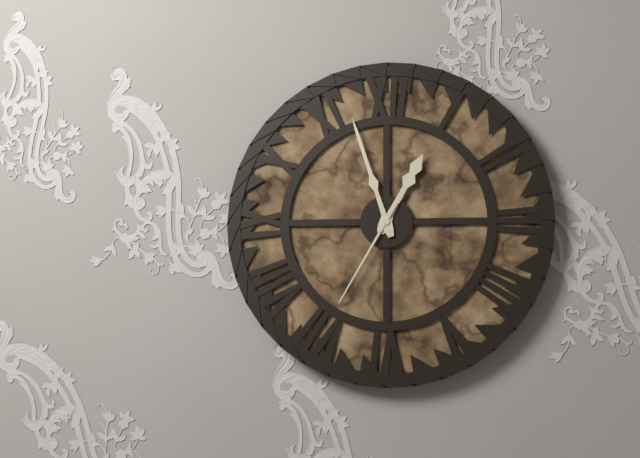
12,57,35
